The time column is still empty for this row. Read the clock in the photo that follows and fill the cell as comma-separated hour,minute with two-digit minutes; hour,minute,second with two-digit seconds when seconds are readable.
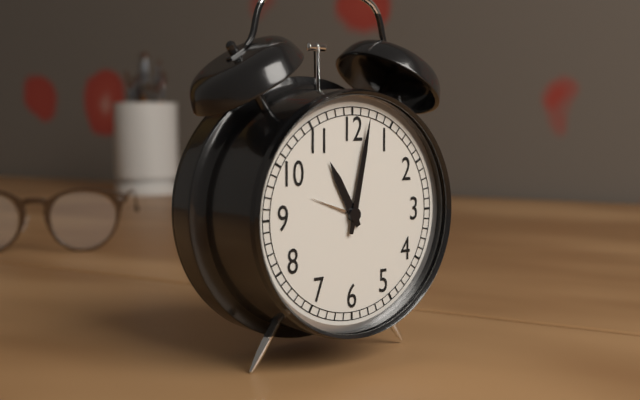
11,02
